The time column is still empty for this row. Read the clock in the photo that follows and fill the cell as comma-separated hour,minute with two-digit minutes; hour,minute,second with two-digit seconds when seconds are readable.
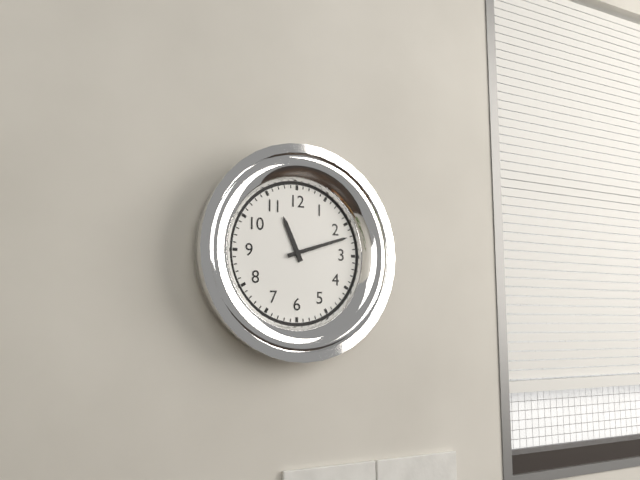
11,12
